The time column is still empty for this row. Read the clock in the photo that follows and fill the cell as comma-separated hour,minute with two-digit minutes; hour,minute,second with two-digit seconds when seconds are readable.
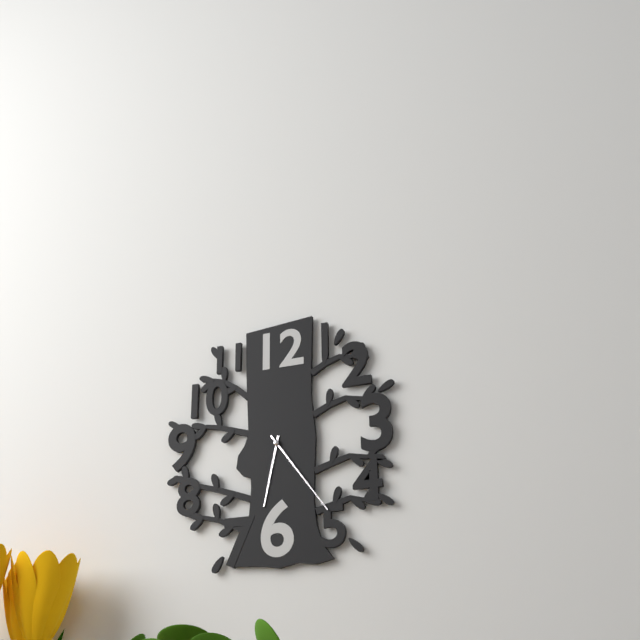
6,24
